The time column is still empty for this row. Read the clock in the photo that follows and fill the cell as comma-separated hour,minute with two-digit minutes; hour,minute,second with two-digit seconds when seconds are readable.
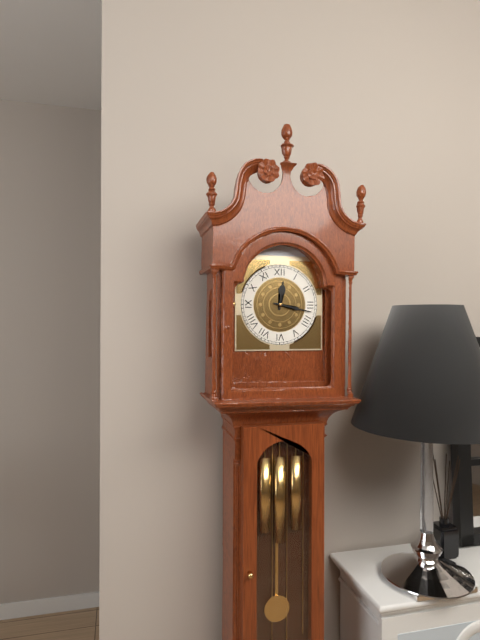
12,17
